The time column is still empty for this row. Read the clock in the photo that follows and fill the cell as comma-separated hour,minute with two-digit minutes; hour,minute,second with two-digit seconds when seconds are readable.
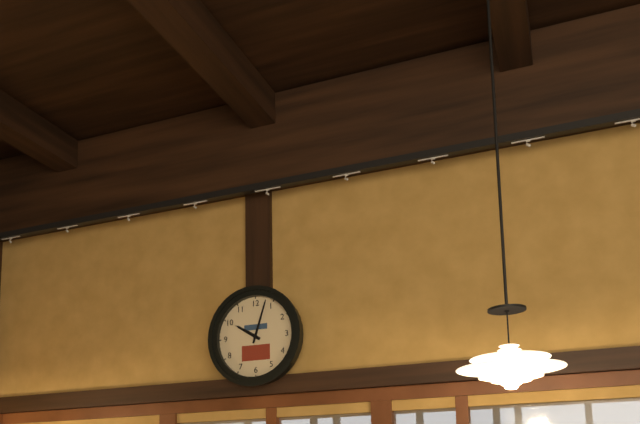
10,03
